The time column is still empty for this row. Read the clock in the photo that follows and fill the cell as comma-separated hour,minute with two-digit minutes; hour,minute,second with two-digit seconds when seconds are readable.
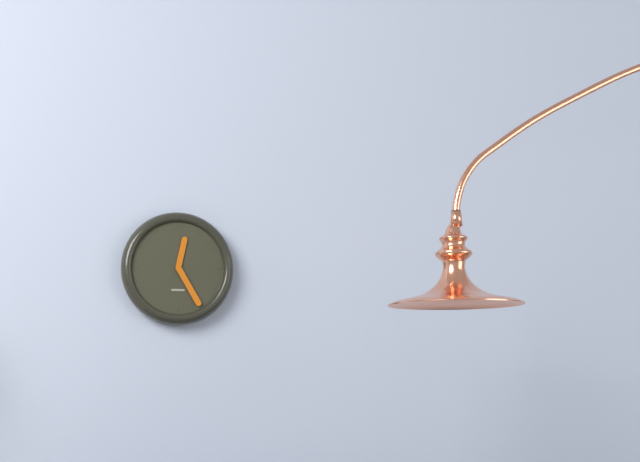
12,25
